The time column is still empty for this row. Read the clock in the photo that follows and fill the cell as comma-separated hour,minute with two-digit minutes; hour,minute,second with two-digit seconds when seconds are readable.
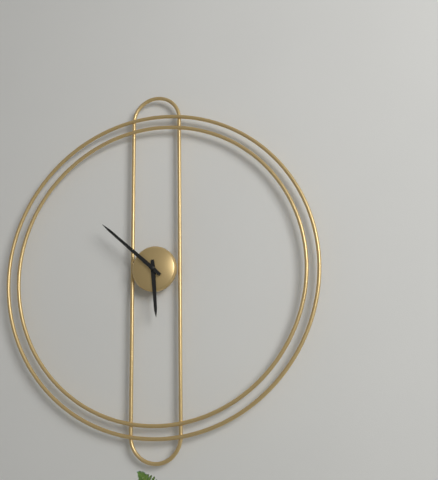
5,52
